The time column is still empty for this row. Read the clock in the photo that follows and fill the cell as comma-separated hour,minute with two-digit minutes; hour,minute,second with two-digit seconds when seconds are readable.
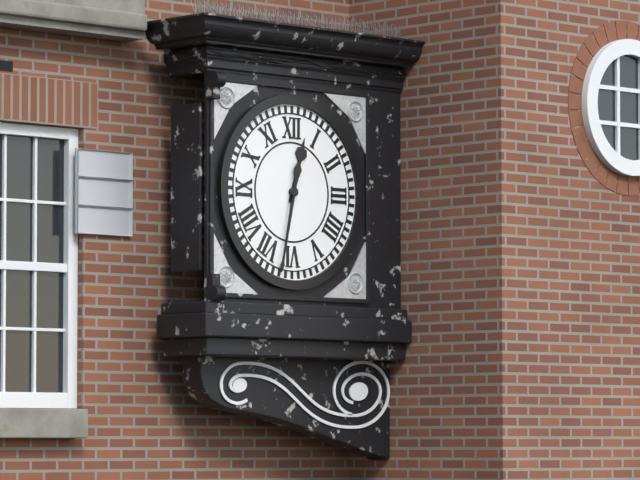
12,32
